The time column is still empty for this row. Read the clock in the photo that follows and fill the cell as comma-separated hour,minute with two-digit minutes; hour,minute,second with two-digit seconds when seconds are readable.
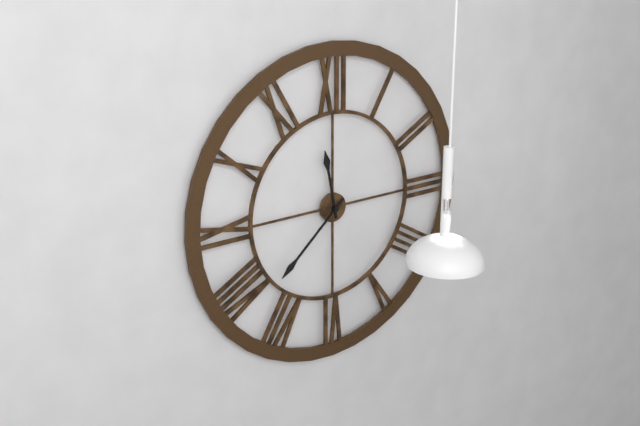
11,38
